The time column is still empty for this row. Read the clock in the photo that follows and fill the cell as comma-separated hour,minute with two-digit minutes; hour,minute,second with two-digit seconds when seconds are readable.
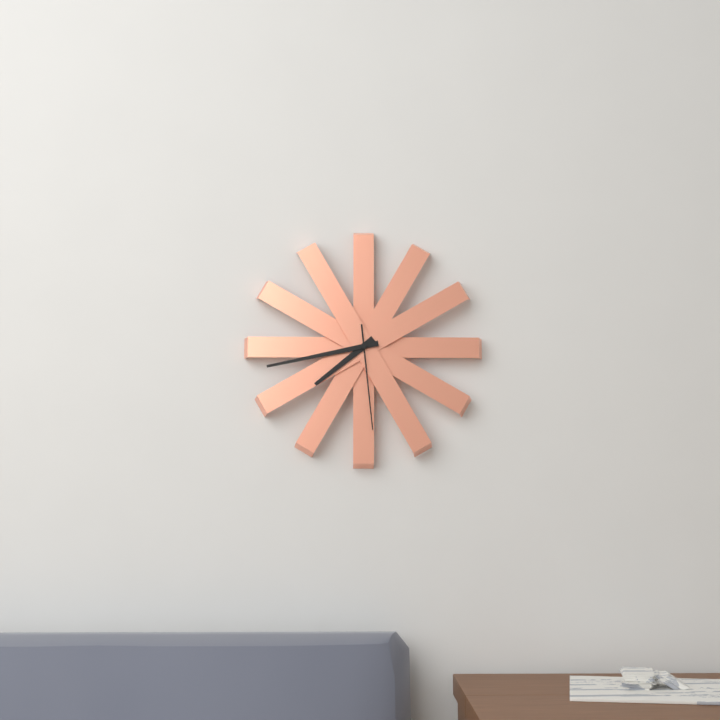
7,43,29
